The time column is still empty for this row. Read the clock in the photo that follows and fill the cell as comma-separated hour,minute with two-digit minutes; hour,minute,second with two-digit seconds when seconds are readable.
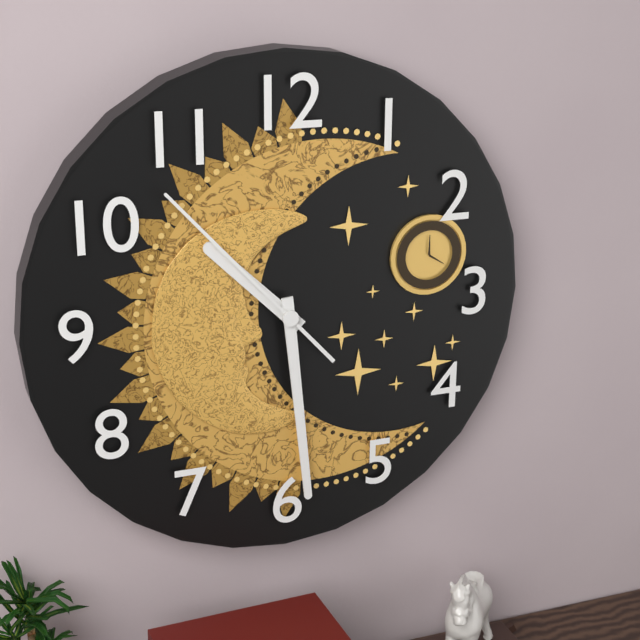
10,29,53
